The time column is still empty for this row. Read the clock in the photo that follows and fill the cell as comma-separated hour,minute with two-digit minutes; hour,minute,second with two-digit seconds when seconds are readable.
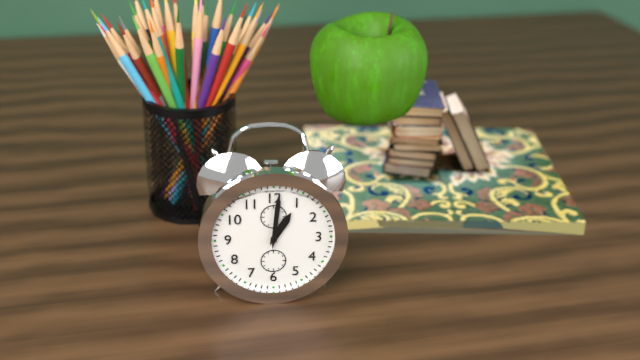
1,01
